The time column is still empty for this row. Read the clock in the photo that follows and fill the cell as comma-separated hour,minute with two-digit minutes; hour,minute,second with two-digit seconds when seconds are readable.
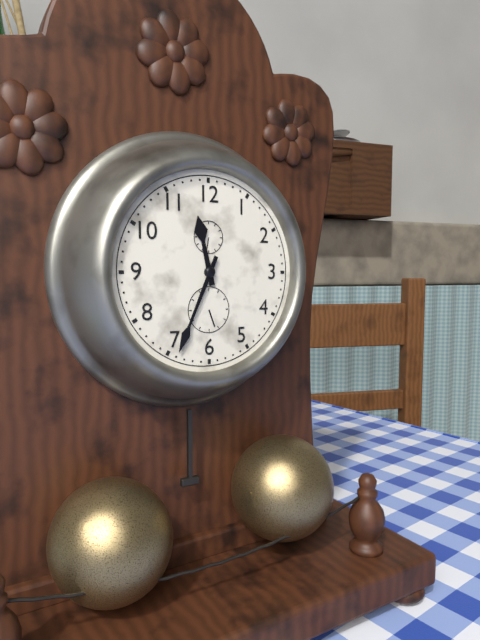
11,34
